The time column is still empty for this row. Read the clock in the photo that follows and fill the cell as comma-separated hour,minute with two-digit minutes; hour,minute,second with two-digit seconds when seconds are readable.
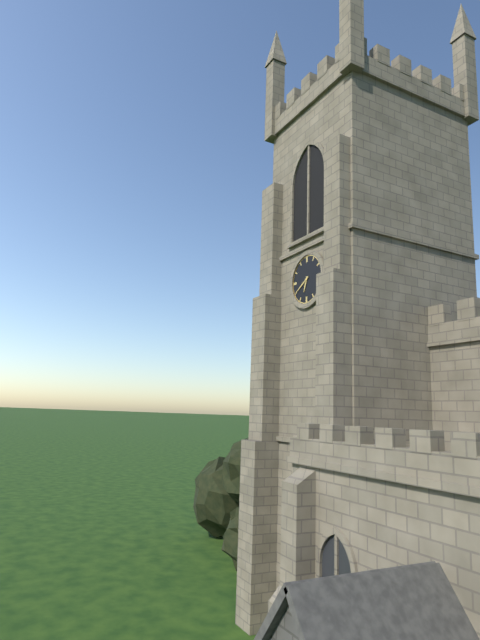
6,40
